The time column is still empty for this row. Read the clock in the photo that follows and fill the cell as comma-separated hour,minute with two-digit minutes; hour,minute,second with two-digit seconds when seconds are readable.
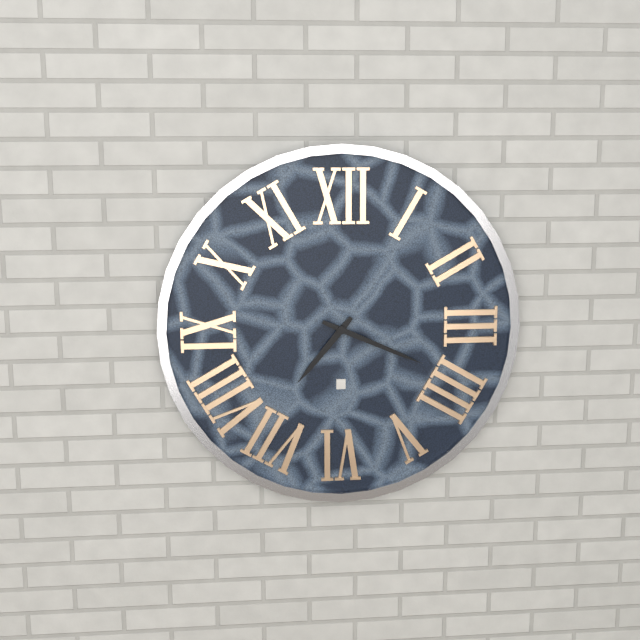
7,19
